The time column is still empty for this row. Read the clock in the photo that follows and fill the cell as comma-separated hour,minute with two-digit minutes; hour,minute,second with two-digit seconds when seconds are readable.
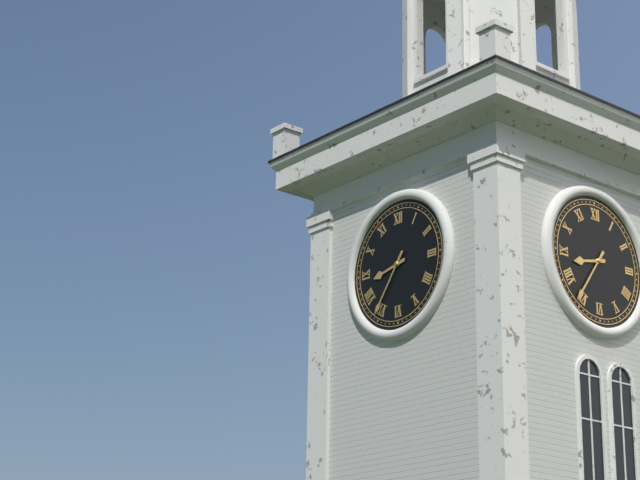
8,36
